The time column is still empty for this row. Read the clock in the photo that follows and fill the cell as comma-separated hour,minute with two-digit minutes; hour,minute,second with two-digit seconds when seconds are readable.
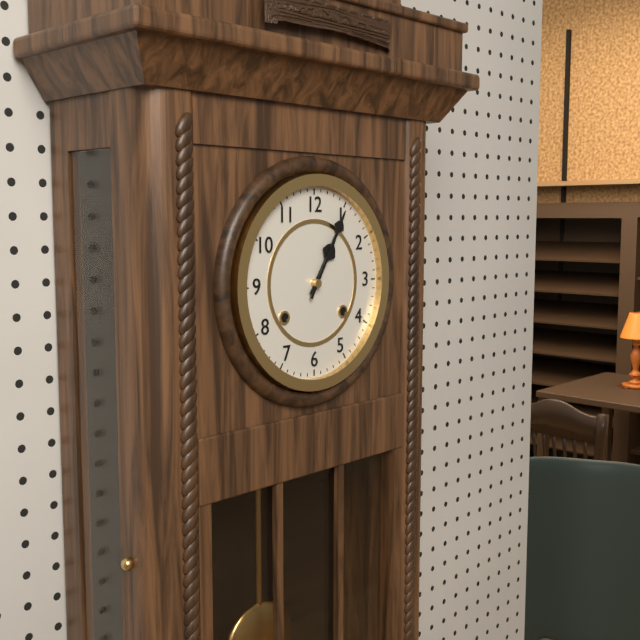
1,05
